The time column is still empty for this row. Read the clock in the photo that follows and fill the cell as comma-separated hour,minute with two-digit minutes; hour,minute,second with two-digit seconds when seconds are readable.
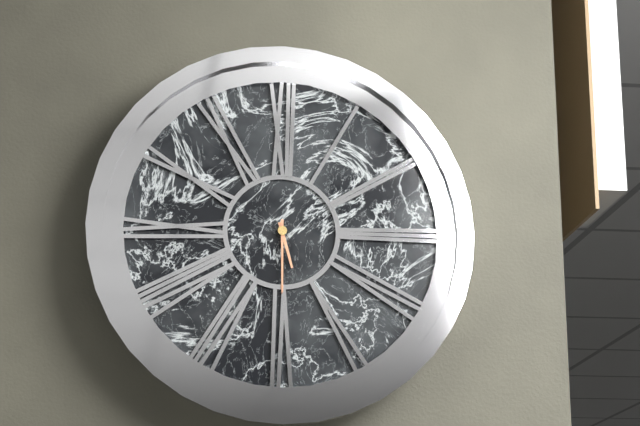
5,30
